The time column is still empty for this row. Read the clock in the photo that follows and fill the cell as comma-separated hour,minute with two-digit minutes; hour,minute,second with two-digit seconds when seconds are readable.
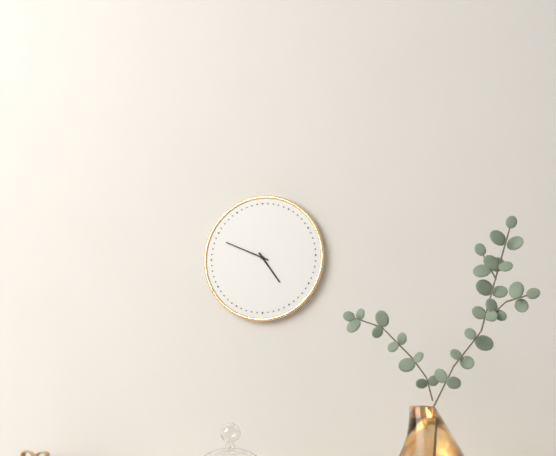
4,49
